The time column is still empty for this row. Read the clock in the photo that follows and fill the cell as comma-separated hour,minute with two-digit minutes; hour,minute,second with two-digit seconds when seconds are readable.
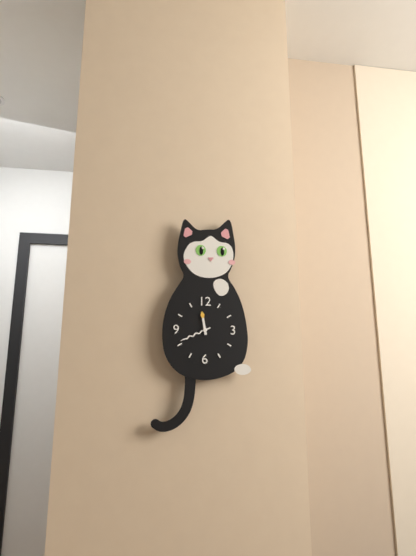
11,41
